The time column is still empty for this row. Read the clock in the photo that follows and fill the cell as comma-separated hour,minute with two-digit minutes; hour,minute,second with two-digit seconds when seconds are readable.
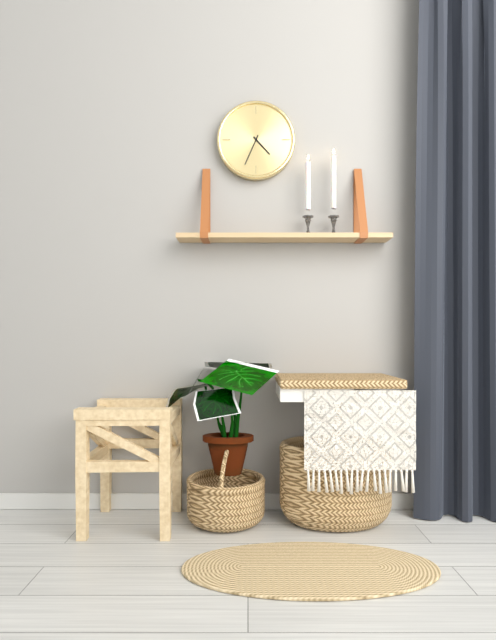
4,34
